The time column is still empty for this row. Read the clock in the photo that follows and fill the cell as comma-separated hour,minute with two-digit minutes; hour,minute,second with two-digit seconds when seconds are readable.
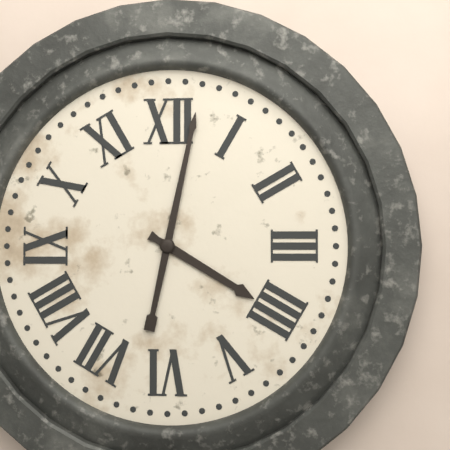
4,02
